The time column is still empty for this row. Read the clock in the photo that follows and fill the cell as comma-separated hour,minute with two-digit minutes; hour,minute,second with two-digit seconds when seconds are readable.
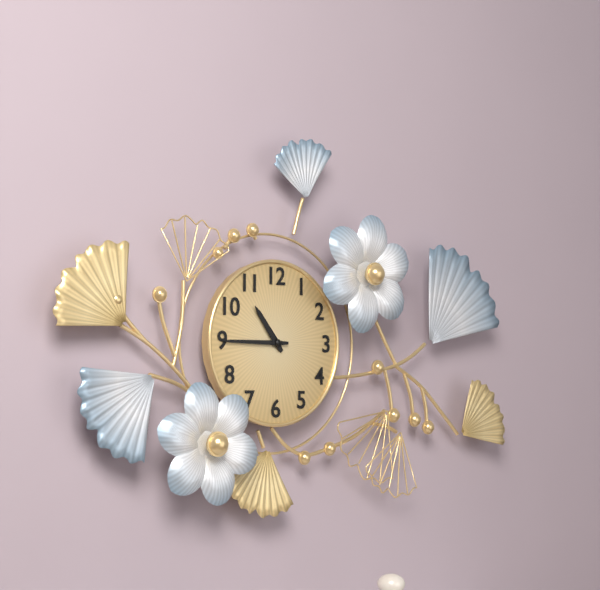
10,45
